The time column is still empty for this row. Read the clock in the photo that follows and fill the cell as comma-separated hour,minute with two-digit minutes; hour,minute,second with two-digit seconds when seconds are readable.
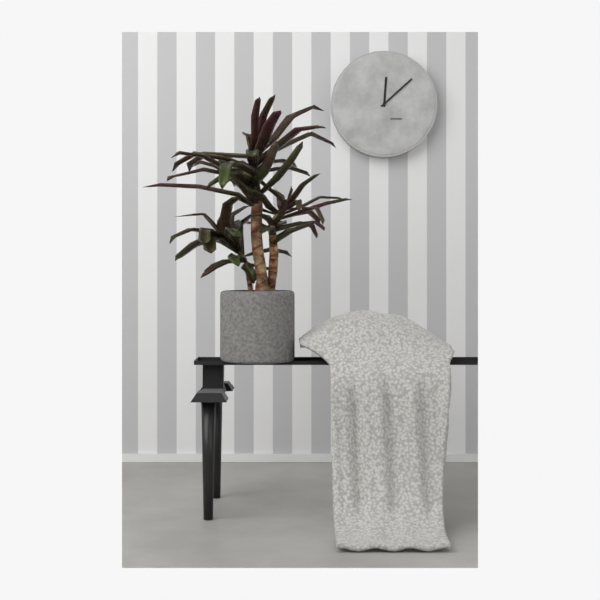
12,08
